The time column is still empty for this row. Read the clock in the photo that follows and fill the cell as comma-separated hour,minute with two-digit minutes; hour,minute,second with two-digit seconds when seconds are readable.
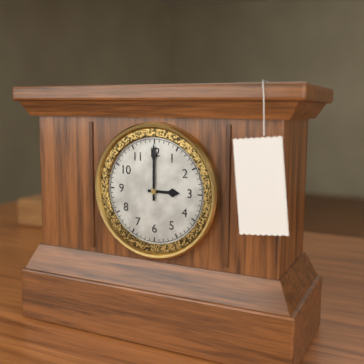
3,00
